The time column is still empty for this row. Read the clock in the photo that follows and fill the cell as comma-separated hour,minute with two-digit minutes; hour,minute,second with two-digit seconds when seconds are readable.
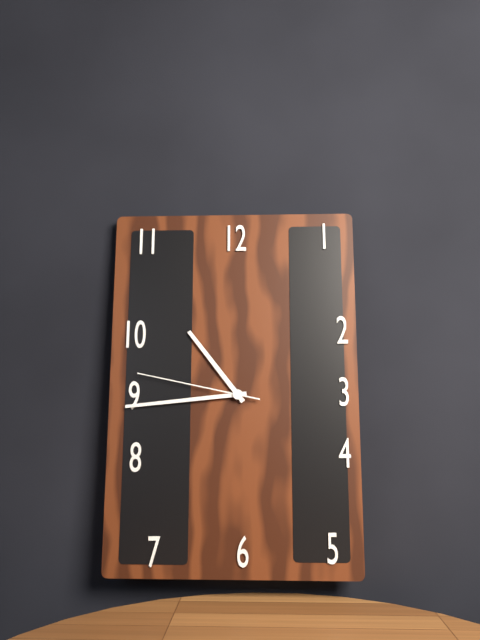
10,44,47
